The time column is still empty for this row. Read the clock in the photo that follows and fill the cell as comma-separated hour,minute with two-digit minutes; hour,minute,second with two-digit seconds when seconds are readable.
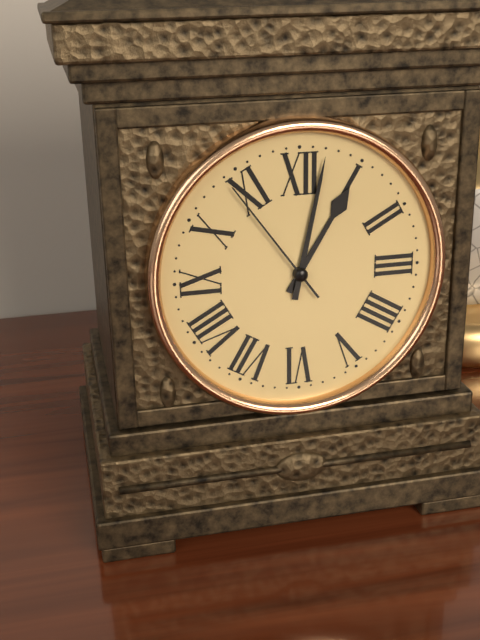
1,02,54
